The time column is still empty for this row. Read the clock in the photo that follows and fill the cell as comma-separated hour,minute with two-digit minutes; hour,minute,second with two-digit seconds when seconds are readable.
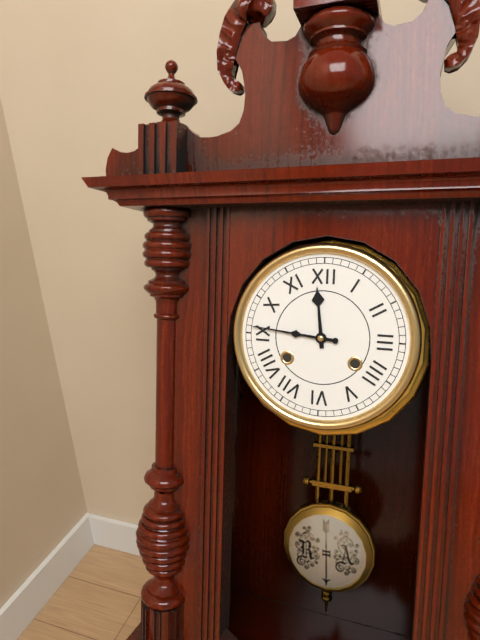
11,46
